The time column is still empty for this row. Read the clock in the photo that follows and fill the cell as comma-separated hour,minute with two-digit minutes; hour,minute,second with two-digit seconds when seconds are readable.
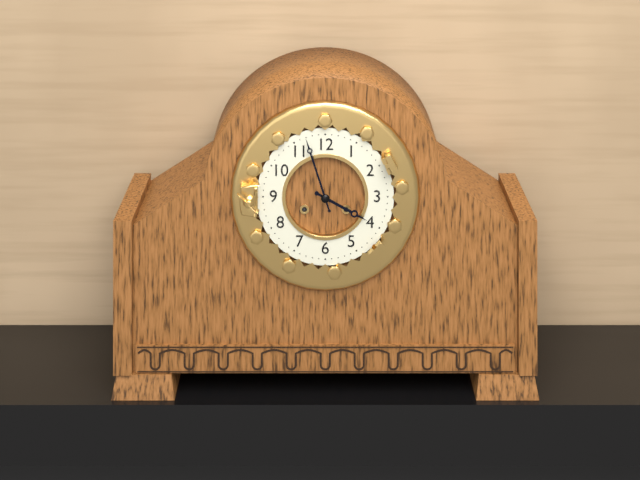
3,57
